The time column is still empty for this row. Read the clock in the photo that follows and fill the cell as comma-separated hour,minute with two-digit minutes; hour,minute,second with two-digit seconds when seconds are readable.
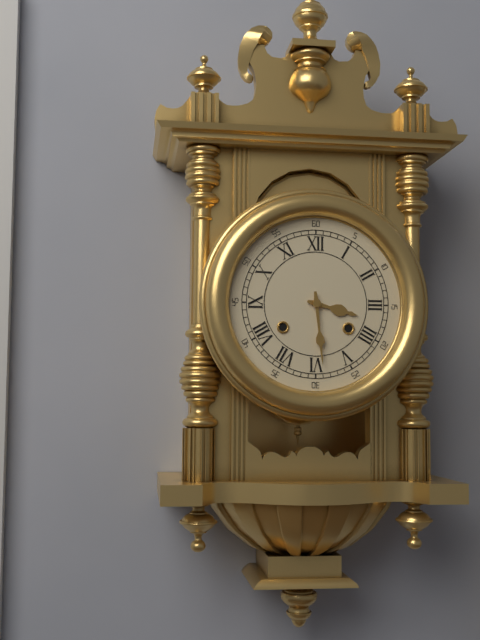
3,29
